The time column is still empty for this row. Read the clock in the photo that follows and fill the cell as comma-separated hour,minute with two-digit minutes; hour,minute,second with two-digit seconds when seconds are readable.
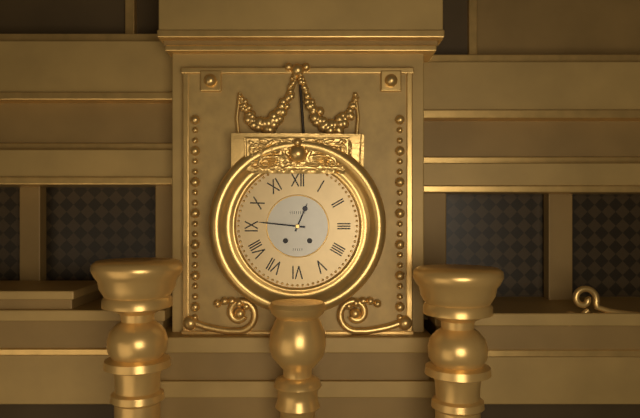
12,46
